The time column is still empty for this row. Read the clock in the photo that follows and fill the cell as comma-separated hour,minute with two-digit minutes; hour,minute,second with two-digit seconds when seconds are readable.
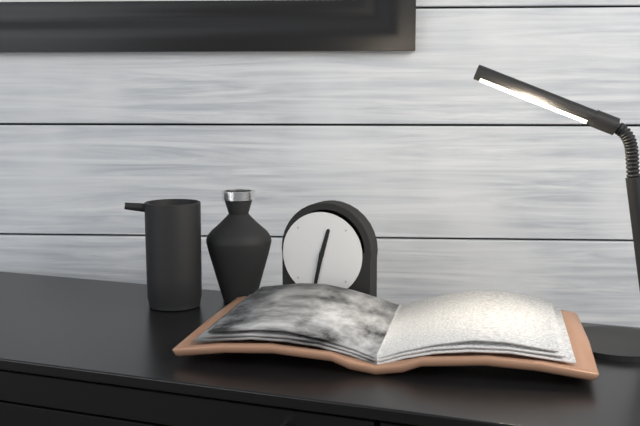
12,32
